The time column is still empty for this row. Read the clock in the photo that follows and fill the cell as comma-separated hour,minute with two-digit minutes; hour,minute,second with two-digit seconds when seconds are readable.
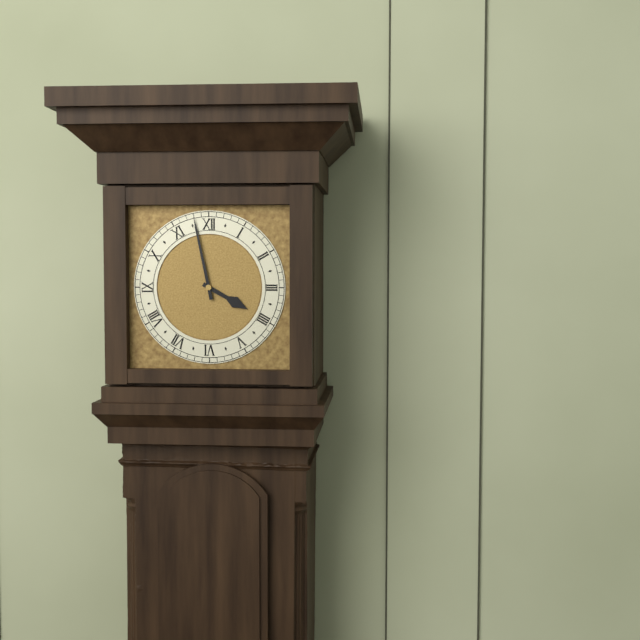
3,58
